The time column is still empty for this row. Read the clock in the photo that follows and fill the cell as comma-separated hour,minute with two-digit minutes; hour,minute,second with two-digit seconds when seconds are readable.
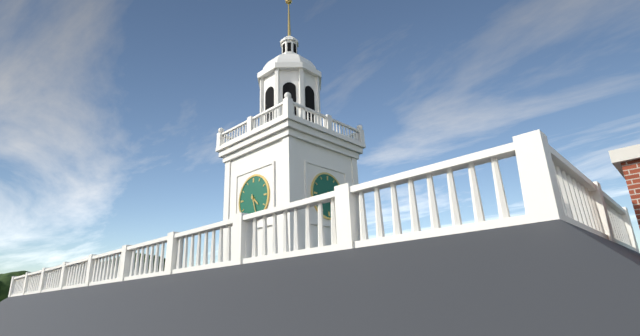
4,27
